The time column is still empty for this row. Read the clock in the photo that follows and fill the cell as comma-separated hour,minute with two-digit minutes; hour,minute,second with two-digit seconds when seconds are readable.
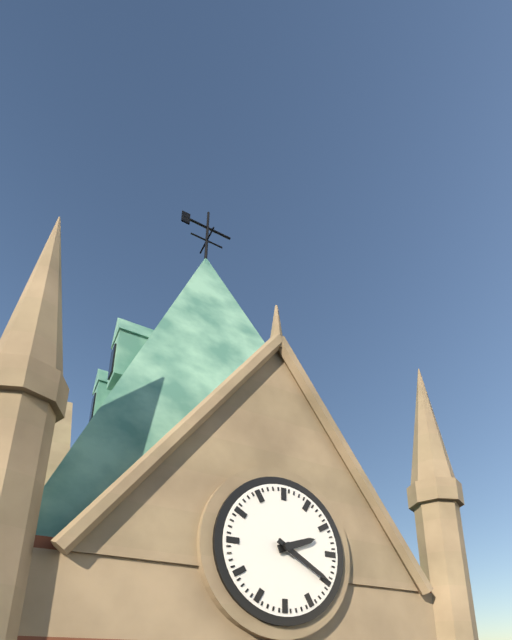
2,20
